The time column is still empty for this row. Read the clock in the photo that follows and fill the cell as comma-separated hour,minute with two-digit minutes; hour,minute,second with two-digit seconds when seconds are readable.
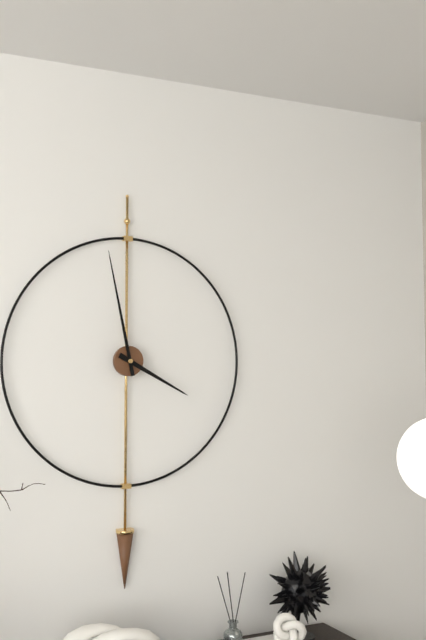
3,58
